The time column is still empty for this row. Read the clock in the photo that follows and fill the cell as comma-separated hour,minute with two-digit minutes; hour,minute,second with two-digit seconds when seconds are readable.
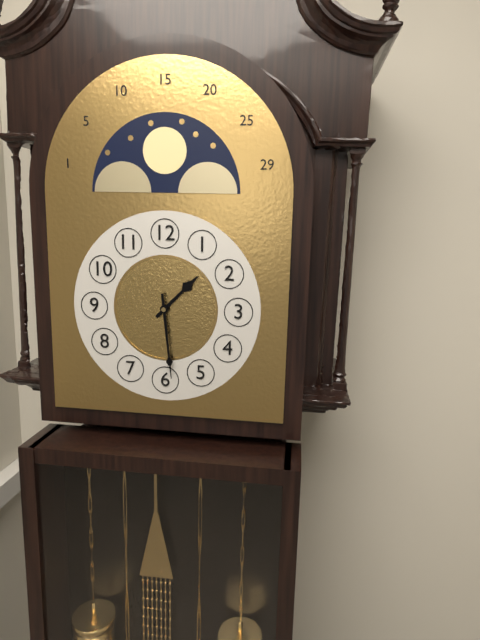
1,29
